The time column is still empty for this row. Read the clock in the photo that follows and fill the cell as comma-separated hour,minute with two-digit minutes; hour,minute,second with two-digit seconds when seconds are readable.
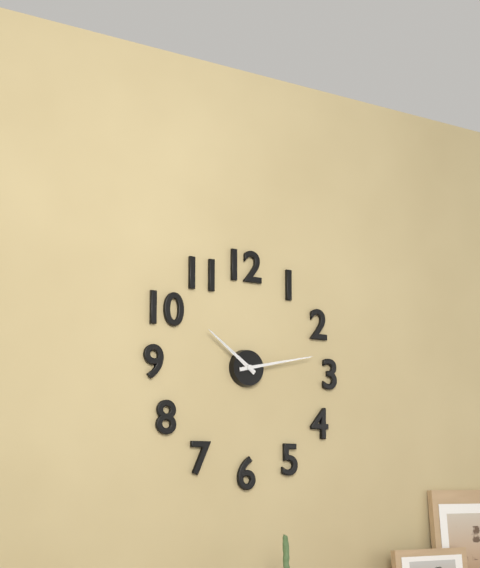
10,13
